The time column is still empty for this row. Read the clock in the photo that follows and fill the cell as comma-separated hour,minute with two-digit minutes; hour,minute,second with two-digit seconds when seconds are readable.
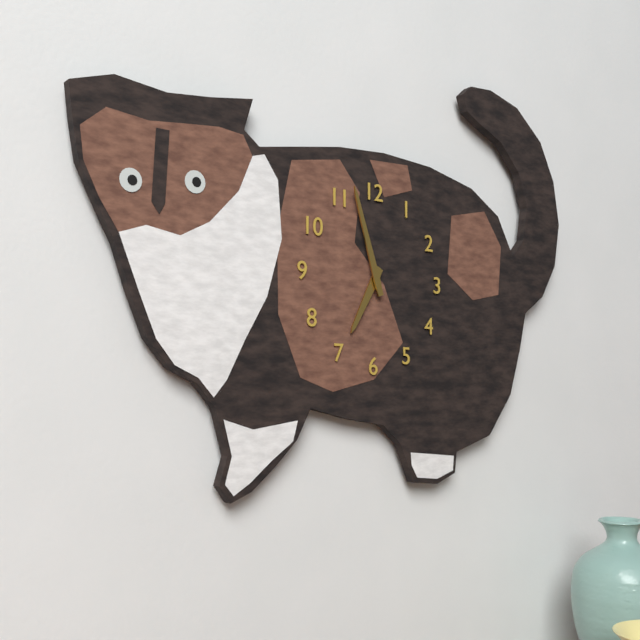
6,57
